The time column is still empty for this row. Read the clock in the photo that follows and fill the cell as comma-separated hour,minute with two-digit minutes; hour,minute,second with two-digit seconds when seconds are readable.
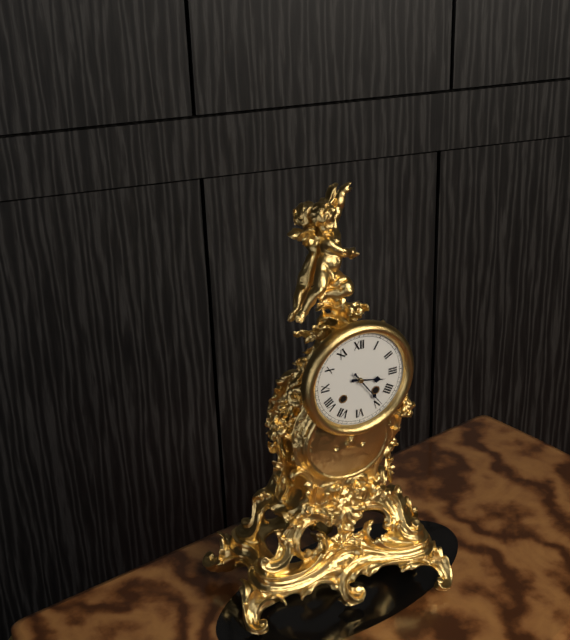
3,24
